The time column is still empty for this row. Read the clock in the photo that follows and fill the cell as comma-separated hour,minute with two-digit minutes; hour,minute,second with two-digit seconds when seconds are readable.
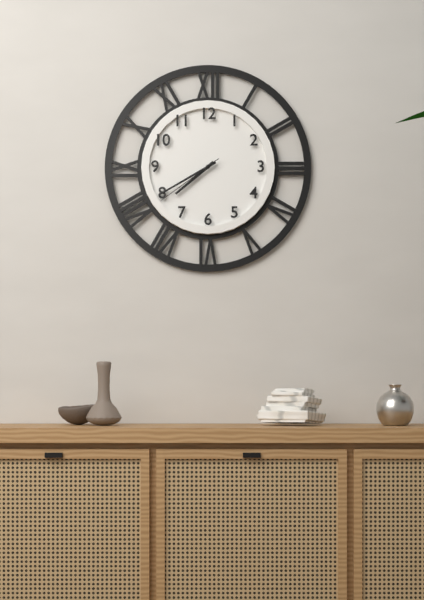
7,40,39
